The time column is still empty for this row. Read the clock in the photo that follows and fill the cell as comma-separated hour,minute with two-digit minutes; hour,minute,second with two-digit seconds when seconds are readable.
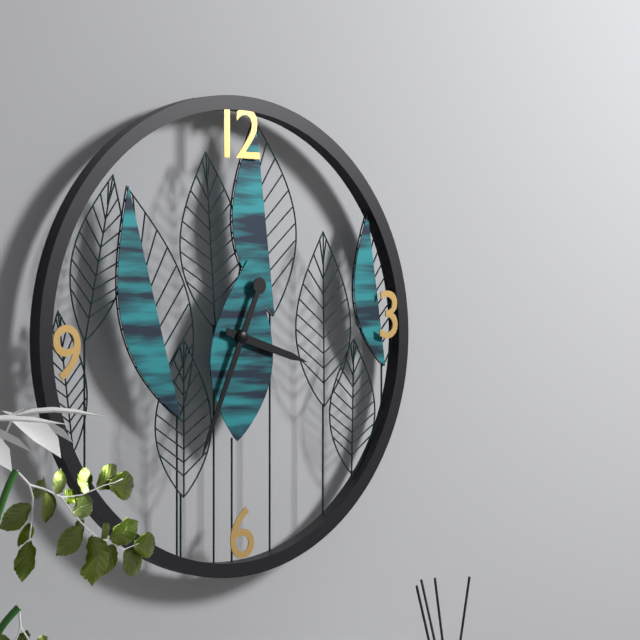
3,34
